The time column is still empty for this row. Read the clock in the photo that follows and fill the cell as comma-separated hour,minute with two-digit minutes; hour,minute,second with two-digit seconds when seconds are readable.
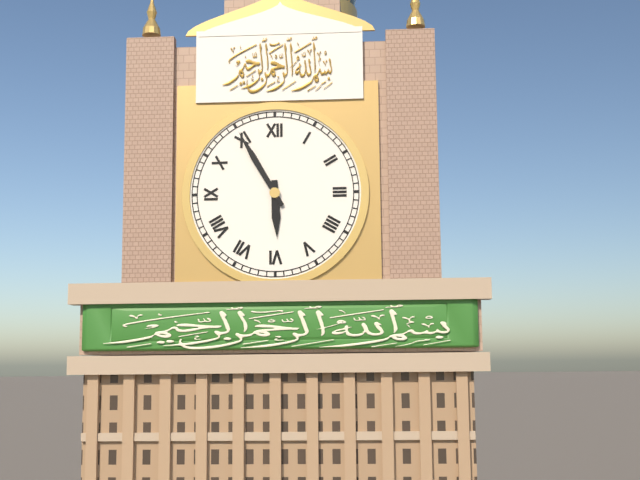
5,55
